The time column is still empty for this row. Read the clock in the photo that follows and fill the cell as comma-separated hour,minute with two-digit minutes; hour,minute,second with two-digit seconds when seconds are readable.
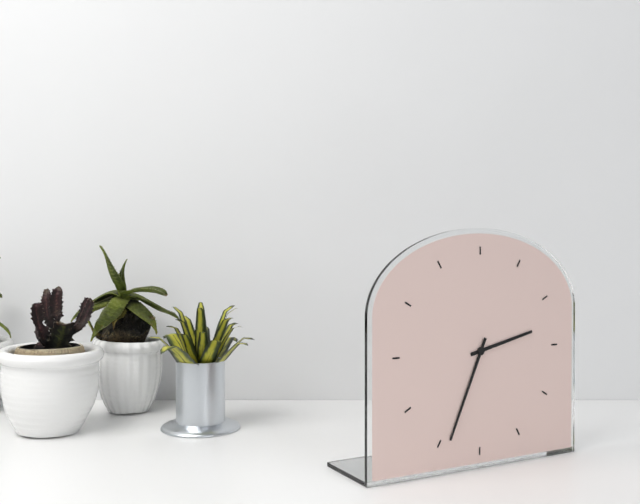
2,34
